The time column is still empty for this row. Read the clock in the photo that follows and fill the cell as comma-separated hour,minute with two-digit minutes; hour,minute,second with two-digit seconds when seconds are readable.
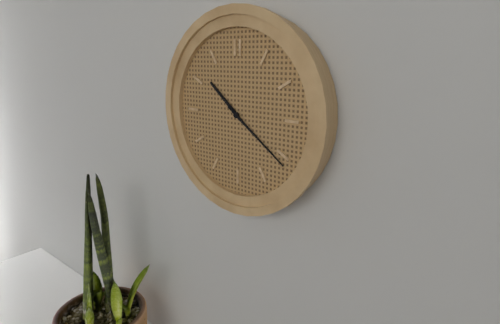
10,21
